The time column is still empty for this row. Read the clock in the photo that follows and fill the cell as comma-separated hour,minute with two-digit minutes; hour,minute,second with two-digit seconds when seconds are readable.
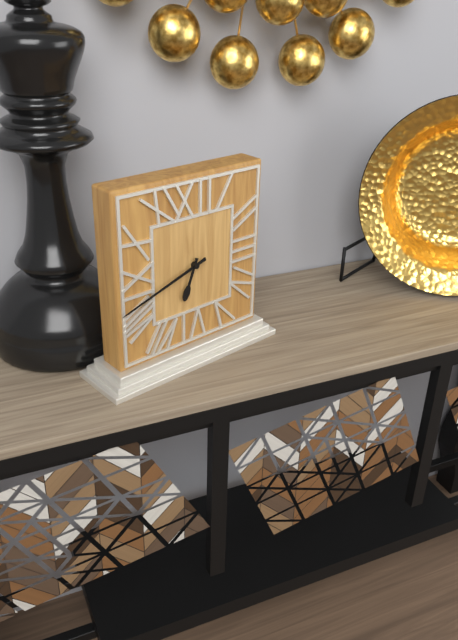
6,42
